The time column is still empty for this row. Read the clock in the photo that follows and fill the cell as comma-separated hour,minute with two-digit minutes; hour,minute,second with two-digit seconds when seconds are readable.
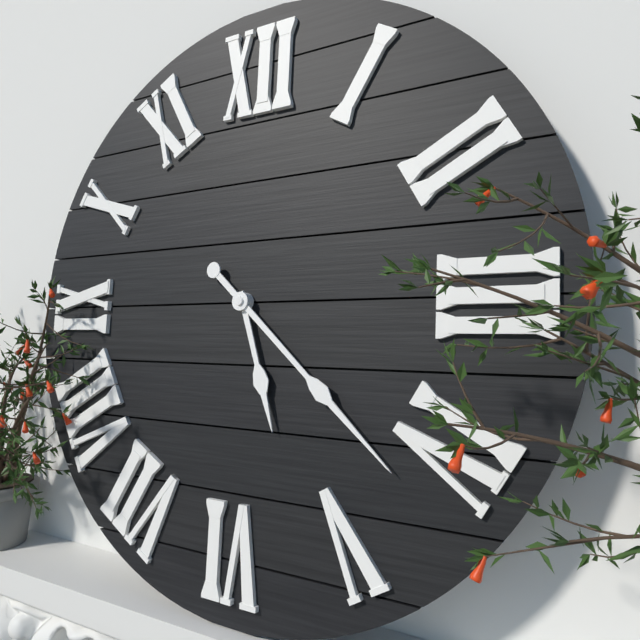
5,22
